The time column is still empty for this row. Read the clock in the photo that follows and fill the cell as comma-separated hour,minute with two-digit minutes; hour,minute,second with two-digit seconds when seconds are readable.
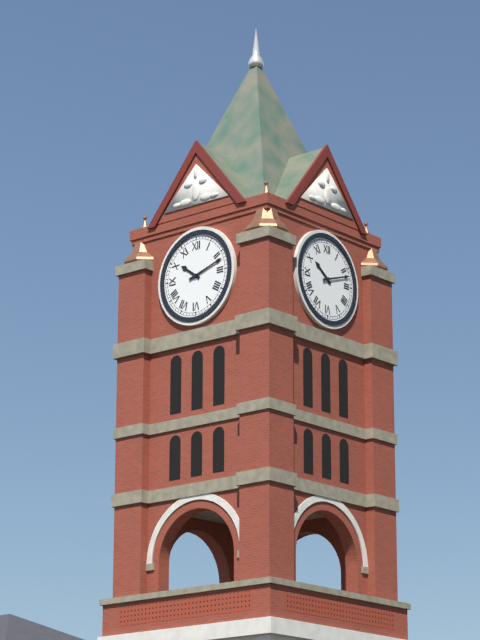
10,12
